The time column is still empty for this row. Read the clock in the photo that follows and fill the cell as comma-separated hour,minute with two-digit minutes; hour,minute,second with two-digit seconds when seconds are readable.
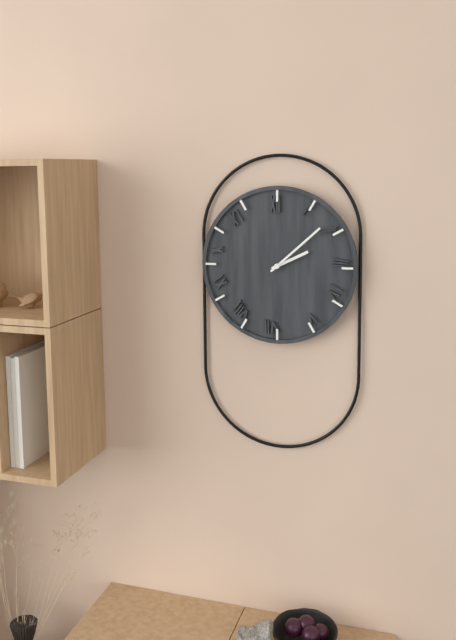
2,08
